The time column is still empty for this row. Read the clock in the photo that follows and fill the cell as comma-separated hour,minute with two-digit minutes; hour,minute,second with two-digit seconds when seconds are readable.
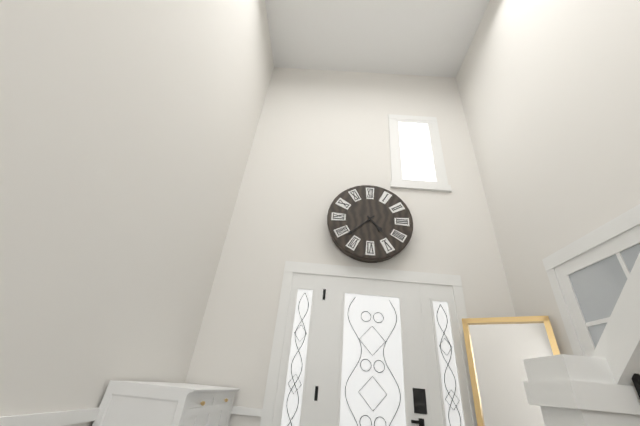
4,38
